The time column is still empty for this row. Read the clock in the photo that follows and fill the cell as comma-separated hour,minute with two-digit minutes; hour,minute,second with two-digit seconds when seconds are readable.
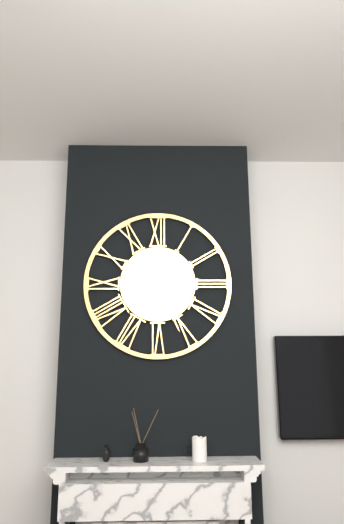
8,26
